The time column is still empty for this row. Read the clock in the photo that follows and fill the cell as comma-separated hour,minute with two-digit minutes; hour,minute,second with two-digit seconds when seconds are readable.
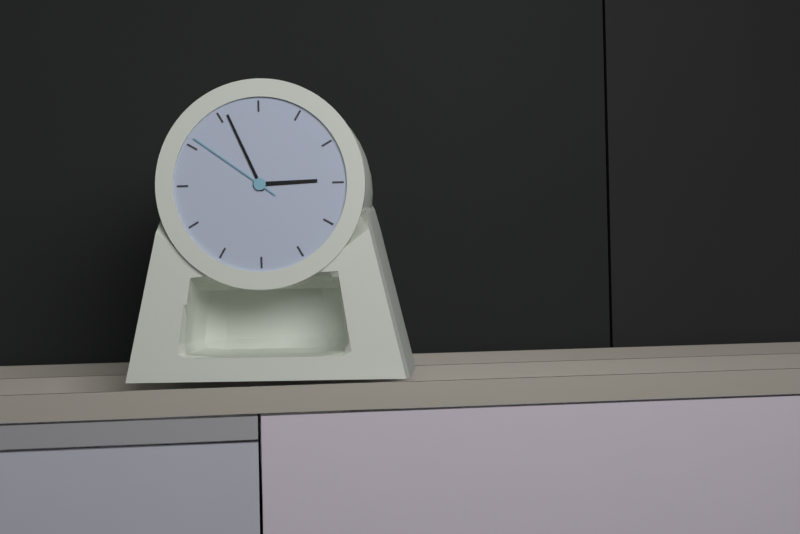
2,56,51
